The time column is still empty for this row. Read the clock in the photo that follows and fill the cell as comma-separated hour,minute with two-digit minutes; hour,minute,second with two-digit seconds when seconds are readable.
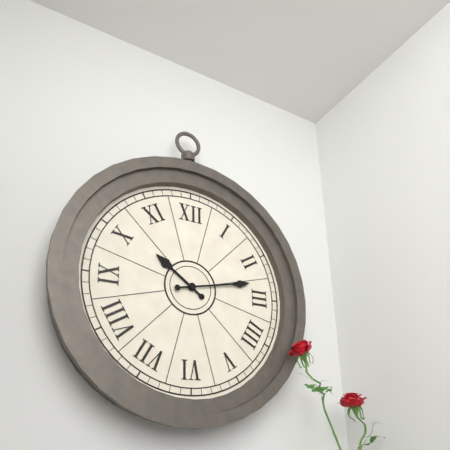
10,13
